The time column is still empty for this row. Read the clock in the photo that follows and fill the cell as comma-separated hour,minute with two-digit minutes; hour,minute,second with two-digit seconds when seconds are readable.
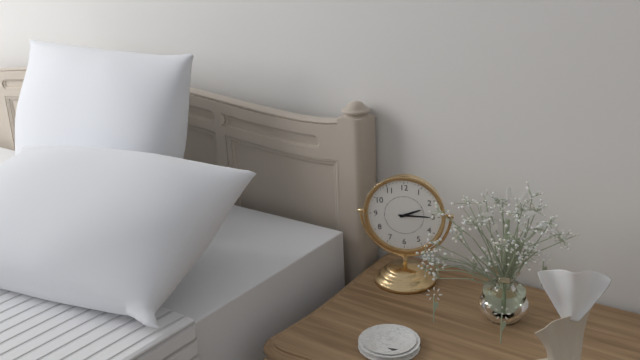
2,15
